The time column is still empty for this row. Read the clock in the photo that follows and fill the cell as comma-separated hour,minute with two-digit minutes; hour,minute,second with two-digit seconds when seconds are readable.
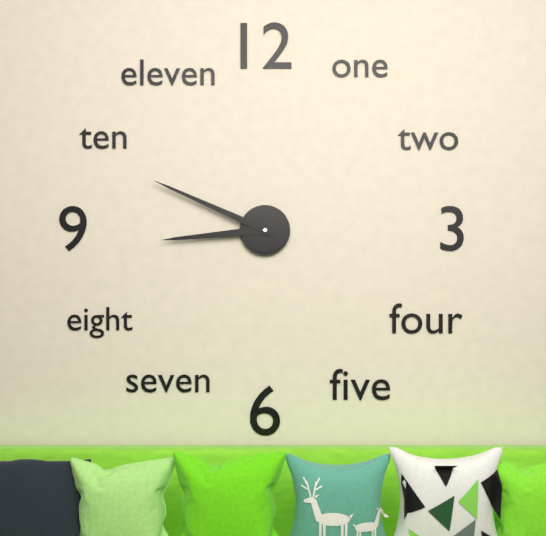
8,49
